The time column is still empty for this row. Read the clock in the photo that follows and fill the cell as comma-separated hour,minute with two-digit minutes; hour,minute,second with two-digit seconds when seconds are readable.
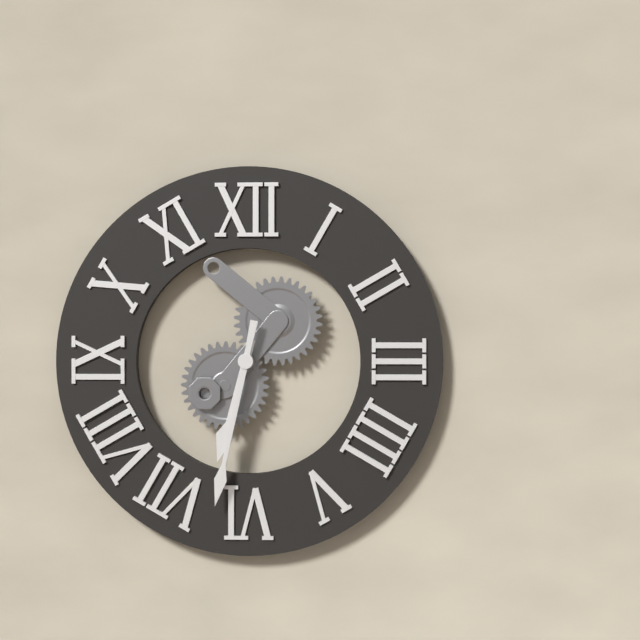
6,32
